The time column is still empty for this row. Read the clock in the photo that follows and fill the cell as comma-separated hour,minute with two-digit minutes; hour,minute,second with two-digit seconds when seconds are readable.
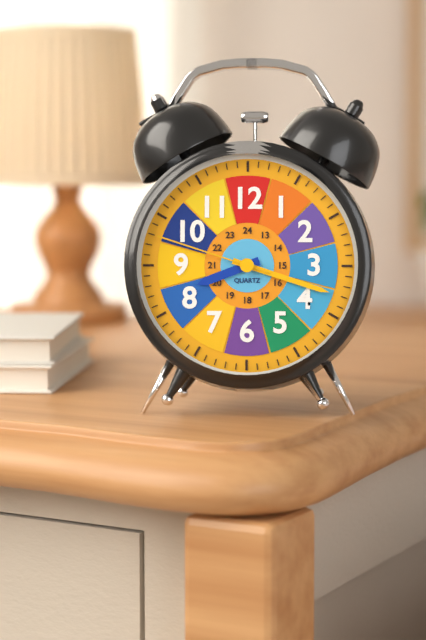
8,18,48
